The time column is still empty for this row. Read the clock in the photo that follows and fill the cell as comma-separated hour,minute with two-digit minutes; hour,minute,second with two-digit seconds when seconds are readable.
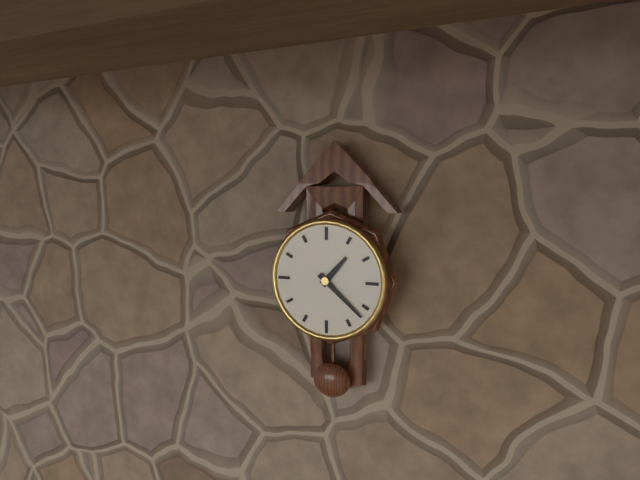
1,22
